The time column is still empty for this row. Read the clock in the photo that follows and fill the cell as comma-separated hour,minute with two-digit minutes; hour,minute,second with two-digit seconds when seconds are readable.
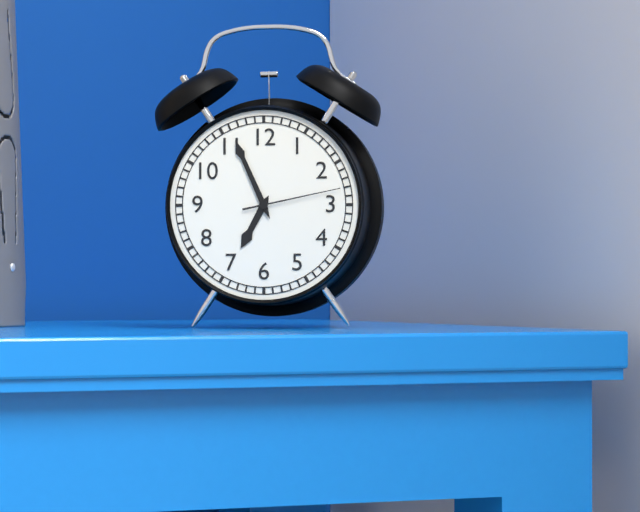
6,56,13
